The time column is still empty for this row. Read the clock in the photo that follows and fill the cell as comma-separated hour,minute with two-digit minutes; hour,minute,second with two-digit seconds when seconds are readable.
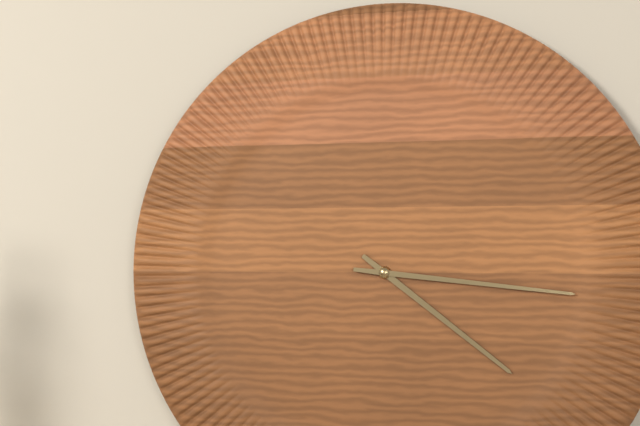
4,16
